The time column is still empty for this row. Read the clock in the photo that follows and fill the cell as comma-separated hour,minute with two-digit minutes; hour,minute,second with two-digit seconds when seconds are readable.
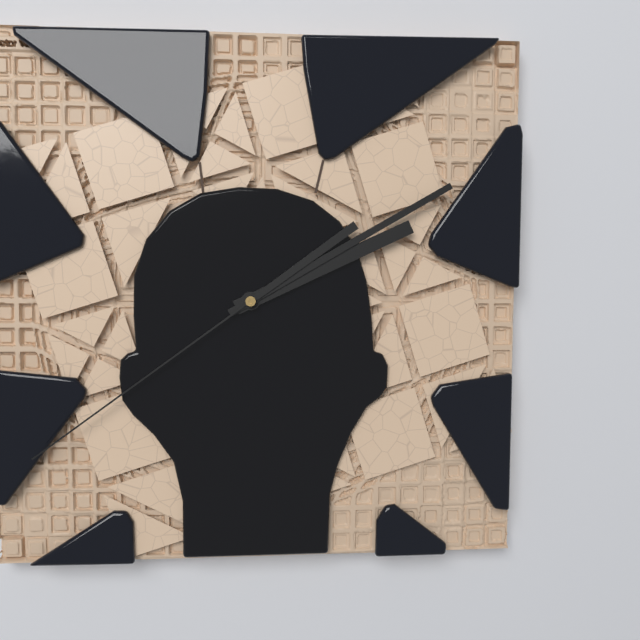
2,10,39
